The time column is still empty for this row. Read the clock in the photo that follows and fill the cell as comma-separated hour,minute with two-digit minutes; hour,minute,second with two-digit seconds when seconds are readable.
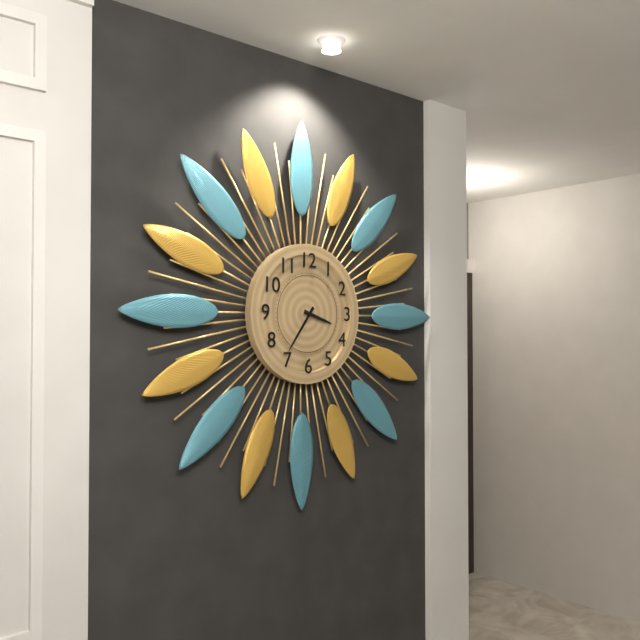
3,36
